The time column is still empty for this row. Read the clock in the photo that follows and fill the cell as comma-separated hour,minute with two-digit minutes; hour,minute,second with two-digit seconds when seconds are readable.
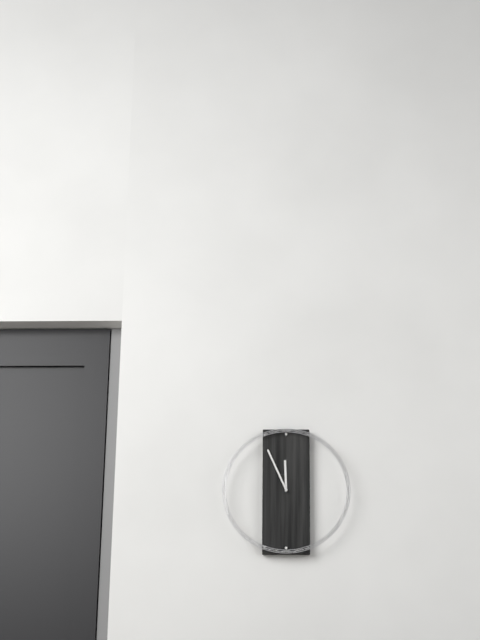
11,56
